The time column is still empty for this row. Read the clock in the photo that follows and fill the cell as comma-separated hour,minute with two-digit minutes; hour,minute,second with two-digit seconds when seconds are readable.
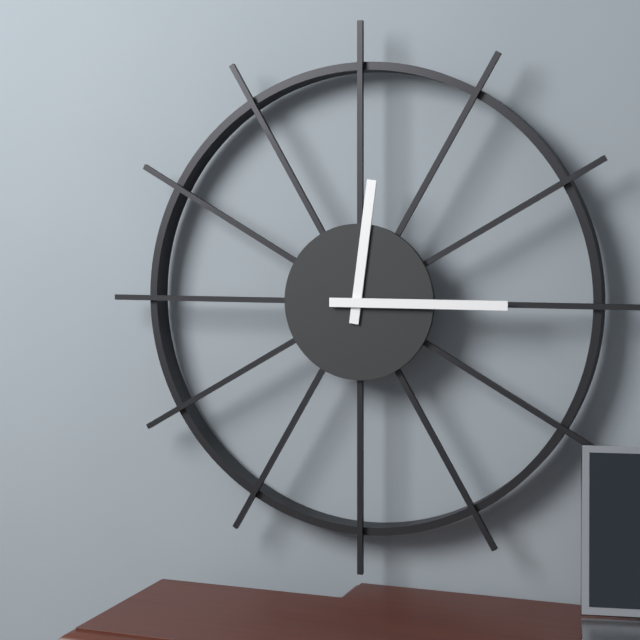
12,15
